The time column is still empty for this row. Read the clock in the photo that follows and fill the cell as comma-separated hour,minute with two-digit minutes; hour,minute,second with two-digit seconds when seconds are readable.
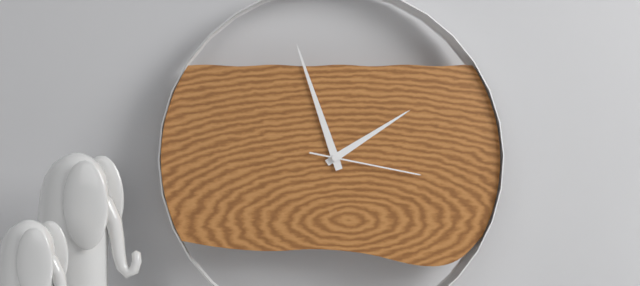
1,57,17
